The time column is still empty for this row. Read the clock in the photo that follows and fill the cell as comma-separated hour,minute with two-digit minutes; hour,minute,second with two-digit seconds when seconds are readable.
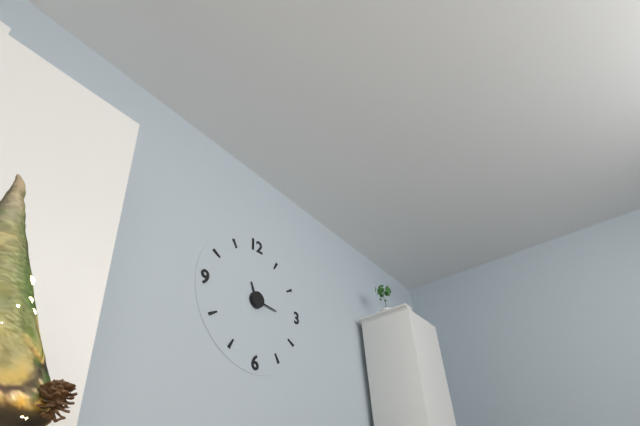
11,16
